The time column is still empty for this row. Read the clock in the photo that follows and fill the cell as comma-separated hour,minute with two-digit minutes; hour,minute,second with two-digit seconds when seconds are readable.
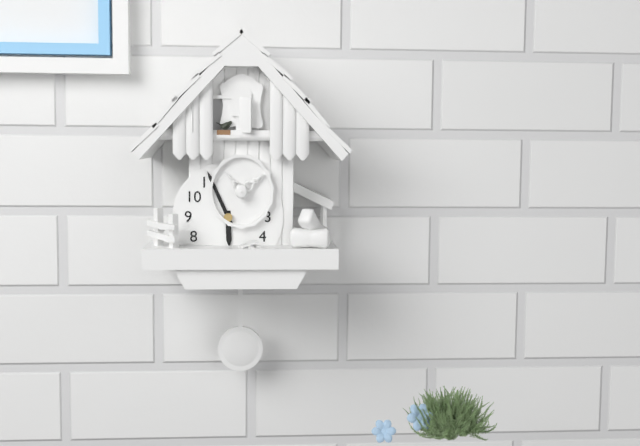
5,56
